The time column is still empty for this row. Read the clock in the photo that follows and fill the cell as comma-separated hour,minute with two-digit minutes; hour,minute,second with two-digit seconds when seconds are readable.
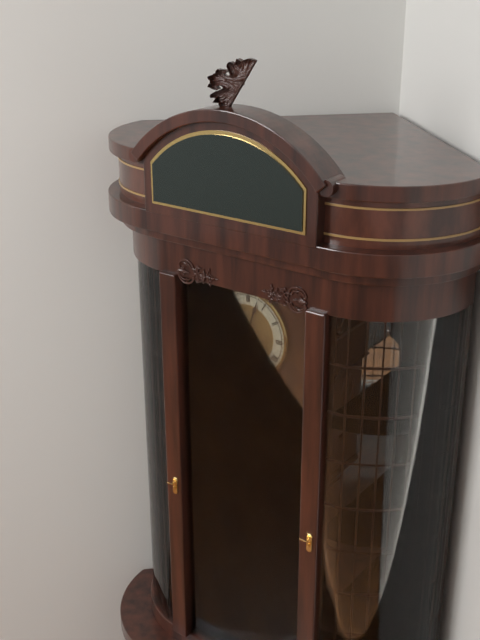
9,03
